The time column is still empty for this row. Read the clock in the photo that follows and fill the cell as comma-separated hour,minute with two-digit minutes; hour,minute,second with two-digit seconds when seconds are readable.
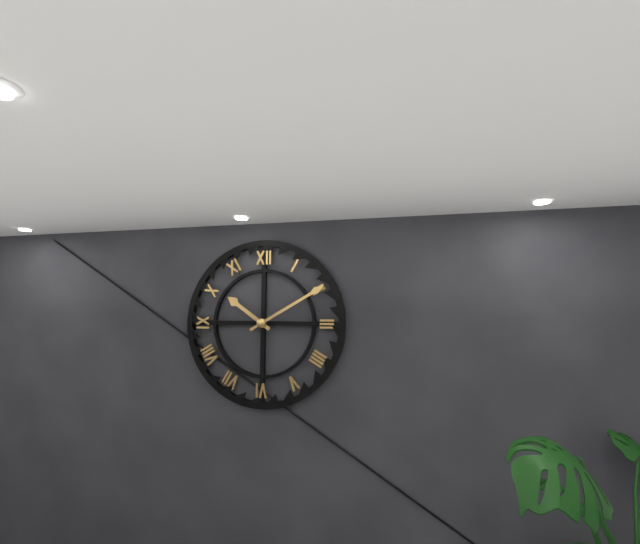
10,10
